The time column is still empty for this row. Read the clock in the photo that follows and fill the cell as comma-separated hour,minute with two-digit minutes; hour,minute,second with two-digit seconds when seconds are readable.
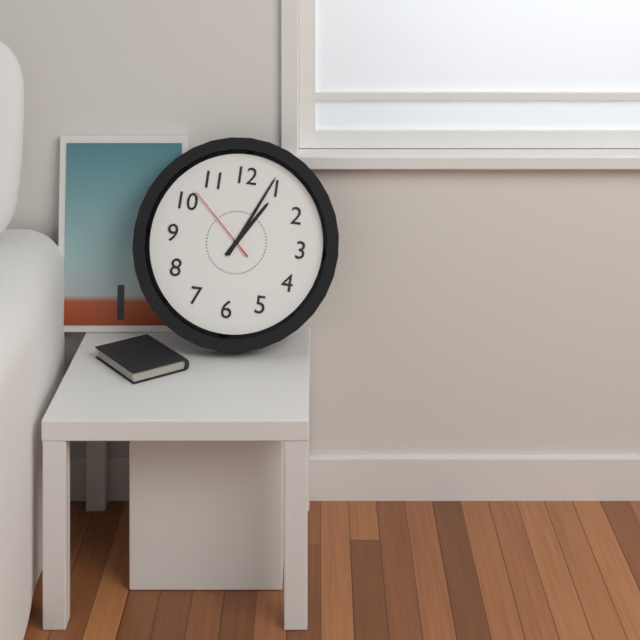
1,04,52
